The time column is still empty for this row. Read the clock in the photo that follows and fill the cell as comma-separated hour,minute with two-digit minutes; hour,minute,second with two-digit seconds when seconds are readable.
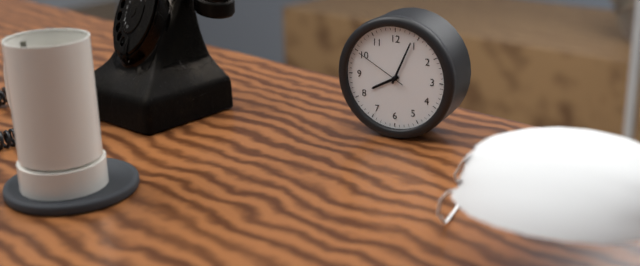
8,04,50
